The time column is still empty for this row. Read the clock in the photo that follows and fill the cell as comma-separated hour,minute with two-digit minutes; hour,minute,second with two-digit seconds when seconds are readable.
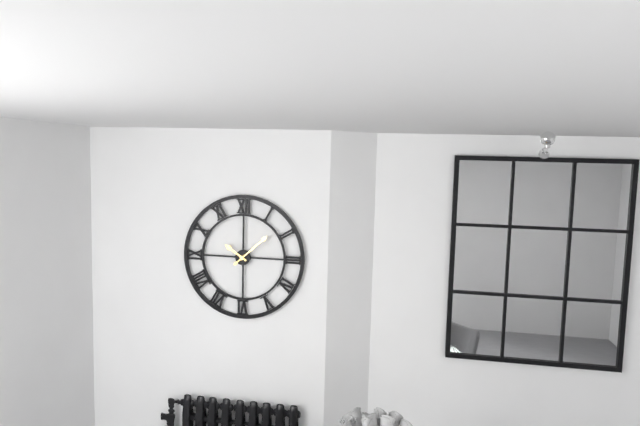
10,08
